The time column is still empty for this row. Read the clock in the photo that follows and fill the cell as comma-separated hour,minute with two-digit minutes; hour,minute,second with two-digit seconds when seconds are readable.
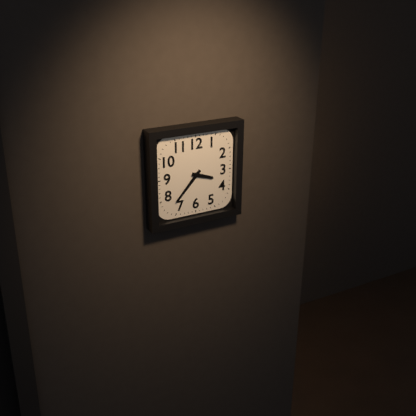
3,37
